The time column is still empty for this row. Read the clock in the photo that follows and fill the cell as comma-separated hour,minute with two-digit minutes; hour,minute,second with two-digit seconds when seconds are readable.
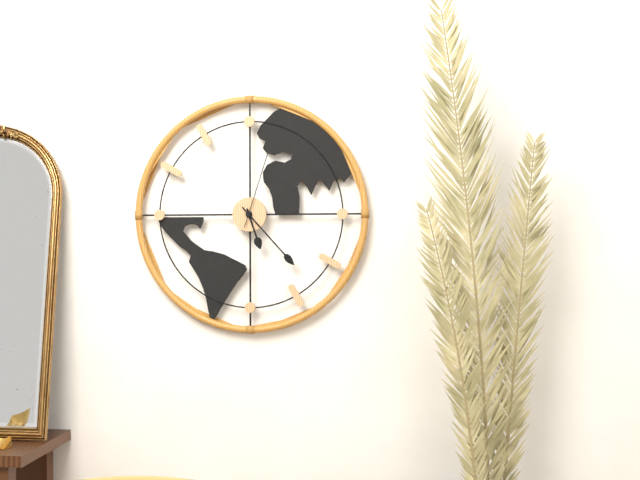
5,23,03
